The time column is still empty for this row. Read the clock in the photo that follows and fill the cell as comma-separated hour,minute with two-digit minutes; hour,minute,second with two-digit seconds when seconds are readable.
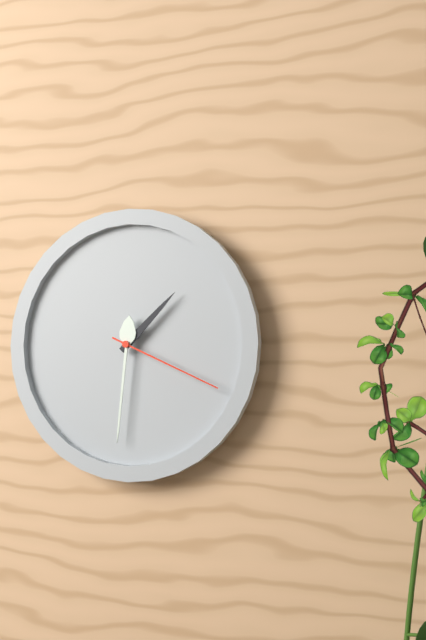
1,31,19
